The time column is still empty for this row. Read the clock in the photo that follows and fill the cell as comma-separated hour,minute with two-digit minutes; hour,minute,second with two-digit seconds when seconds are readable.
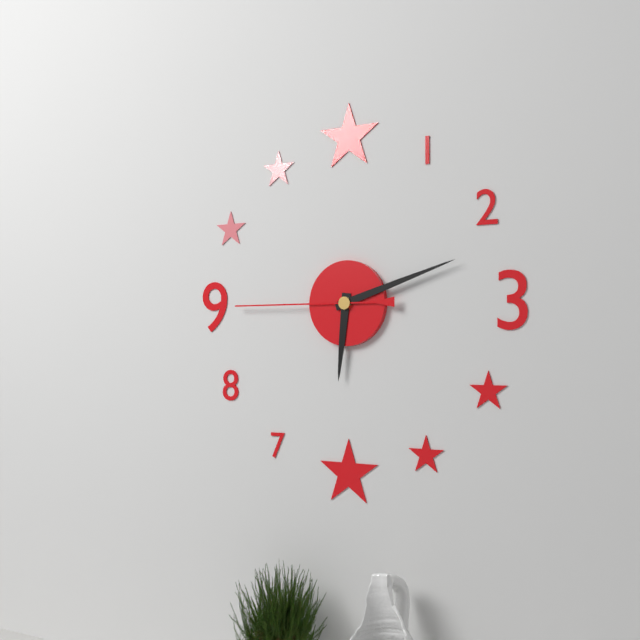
6,12,45
